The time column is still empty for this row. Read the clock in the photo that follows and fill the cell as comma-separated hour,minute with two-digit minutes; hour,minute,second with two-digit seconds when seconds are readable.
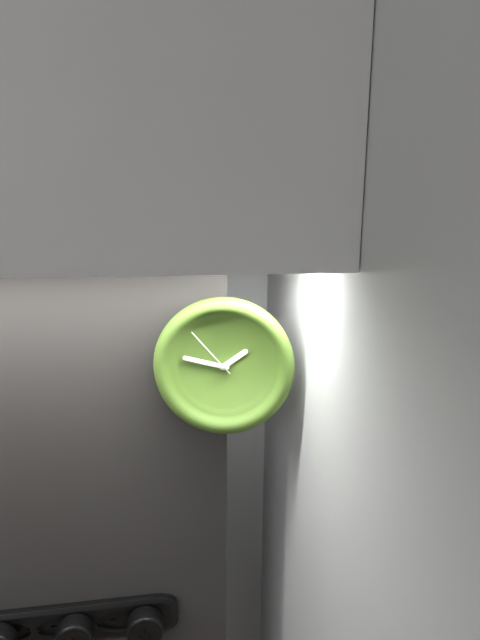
1,47,53
